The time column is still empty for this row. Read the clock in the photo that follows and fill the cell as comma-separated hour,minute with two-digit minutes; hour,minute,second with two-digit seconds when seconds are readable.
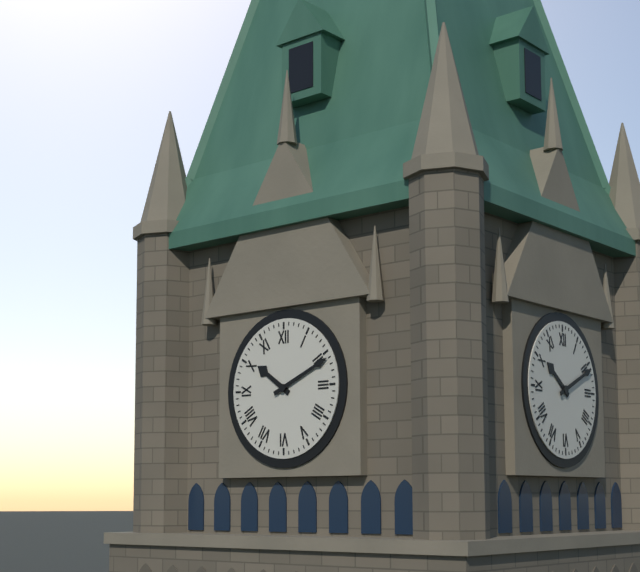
10,11
